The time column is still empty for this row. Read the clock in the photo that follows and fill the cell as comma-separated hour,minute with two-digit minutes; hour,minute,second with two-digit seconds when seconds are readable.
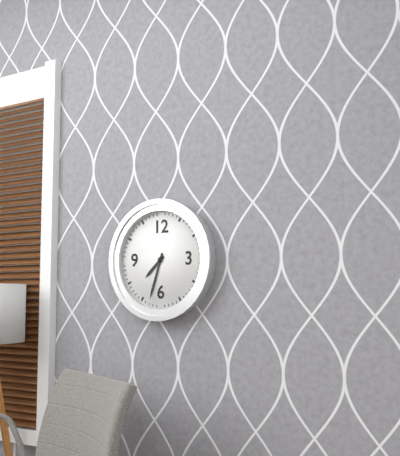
7,33
